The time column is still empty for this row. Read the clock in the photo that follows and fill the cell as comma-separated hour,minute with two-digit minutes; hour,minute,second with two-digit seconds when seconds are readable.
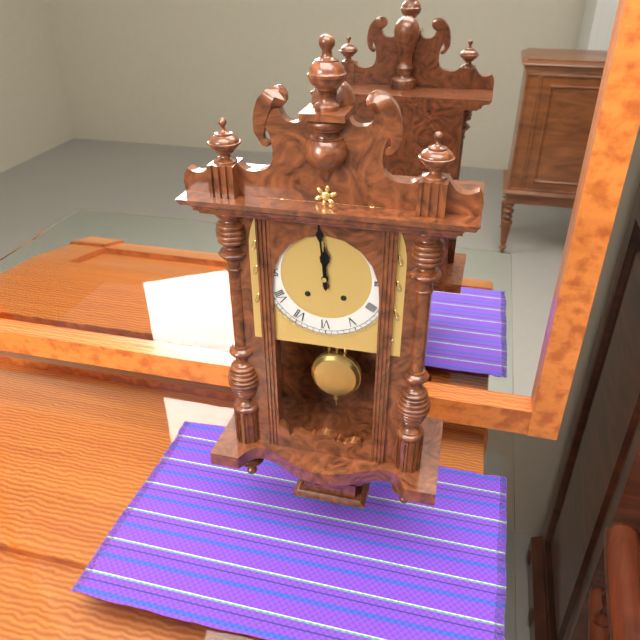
11,59
